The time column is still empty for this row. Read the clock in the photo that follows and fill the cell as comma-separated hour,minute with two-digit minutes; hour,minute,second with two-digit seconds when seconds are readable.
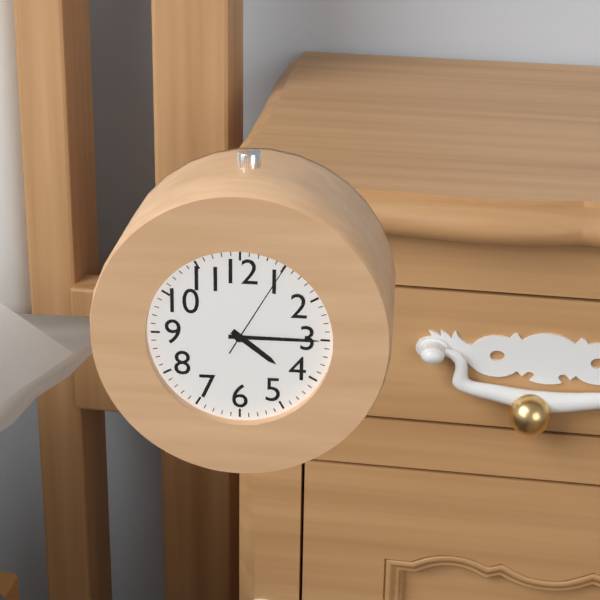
4,15,05
